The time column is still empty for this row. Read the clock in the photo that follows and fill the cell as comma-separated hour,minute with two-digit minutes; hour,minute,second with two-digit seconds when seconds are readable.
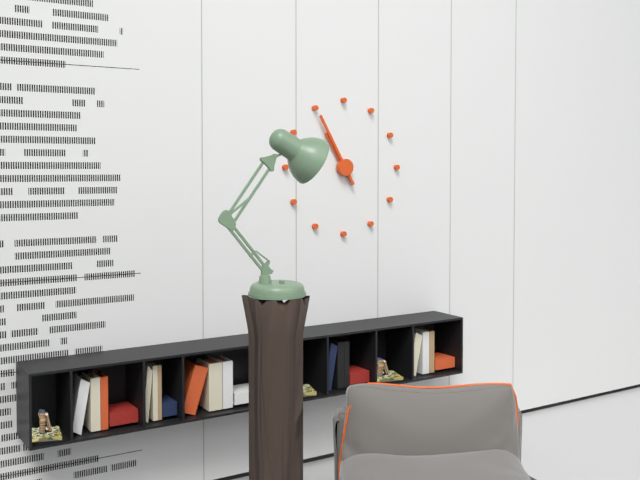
10,55
